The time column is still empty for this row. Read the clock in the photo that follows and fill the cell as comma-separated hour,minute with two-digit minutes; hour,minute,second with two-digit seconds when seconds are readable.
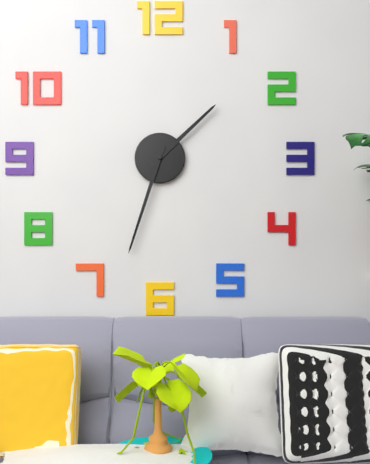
1,33
